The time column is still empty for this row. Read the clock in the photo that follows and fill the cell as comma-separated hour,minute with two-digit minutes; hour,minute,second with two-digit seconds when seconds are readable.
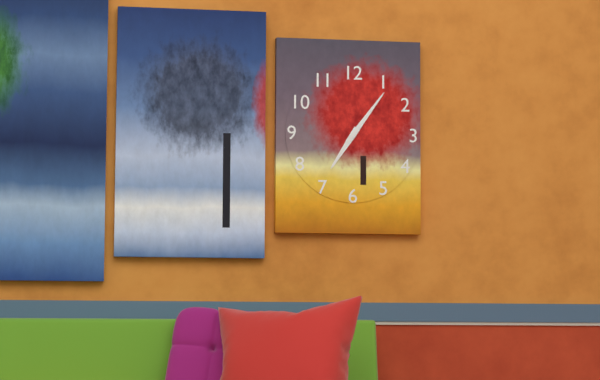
7,06
